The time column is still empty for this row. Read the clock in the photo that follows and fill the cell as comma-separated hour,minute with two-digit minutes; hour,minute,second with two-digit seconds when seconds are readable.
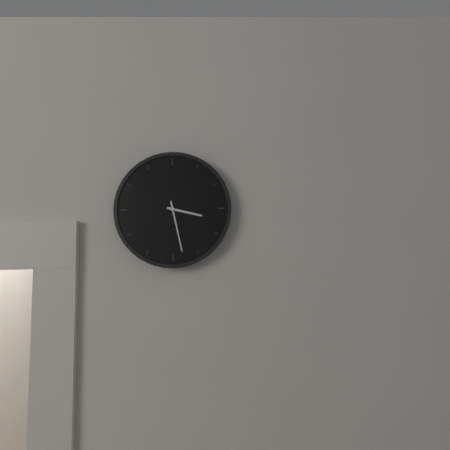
3,28
